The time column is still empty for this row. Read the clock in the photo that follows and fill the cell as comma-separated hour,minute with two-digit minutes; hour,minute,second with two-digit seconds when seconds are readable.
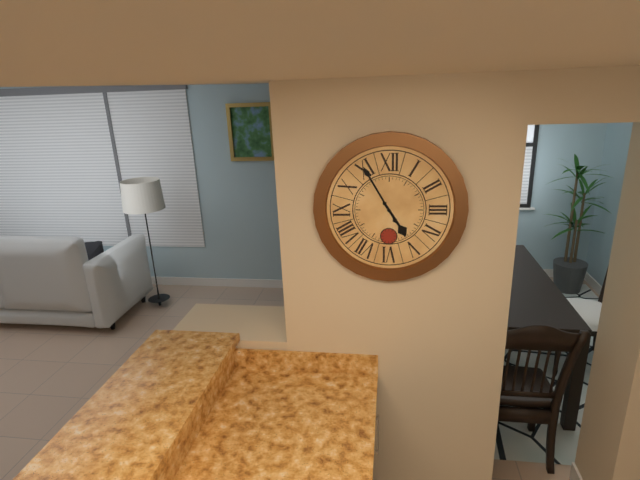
4,55
